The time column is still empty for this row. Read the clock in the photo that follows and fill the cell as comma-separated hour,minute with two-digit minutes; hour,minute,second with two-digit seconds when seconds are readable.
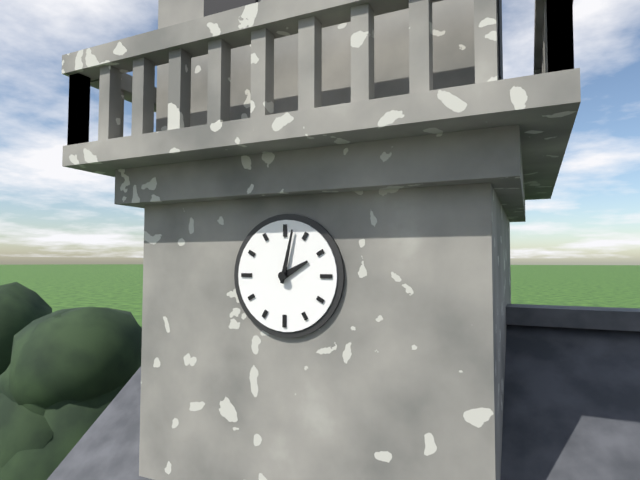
2,02
